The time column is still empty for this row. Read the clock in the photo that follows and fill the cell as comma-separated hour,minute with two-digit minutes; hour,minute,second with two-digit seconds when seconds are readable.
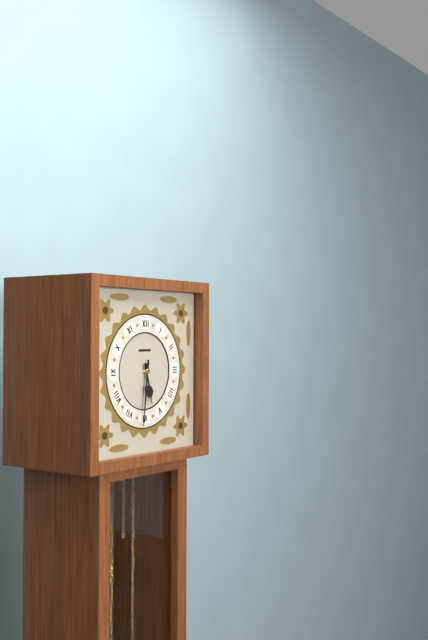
5,31
